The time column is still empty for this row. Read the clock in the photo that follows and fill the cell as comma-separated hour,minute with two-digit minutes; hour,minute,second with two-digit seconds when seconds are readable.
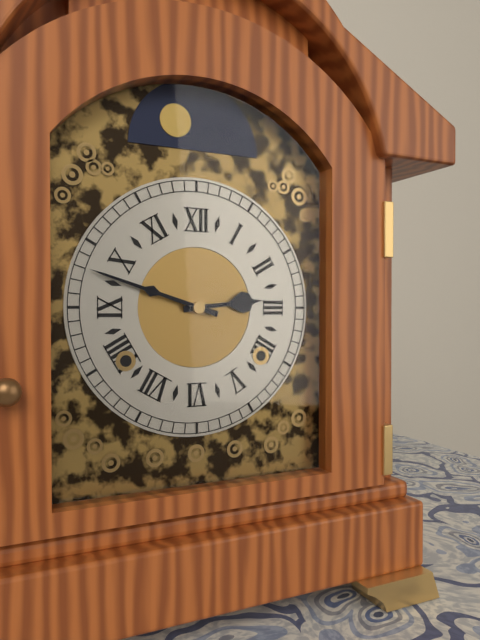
2,48
